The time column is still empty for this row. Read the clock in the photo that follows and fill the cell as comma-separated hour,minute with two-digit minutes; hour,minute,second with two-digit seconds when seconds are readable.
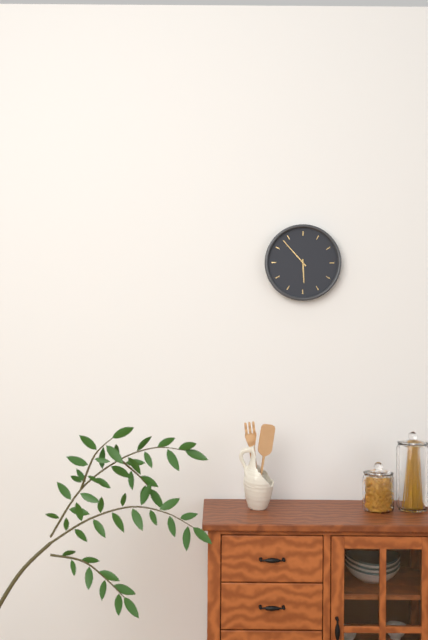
5,53
